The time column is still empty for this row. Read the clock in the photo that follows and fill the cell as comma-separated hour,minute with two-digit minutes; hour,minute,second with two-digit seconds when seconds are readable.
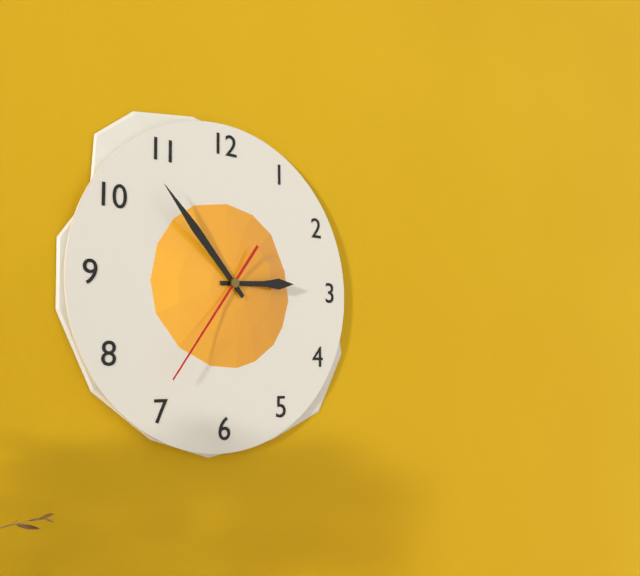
2,53,36
